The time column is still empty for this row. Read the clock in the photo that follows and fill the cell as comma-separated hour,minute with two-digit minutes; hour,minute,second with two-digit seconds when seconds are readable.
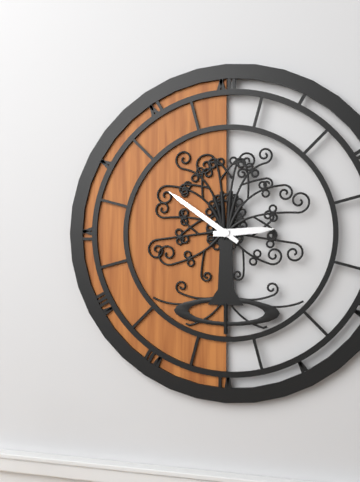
2,51
